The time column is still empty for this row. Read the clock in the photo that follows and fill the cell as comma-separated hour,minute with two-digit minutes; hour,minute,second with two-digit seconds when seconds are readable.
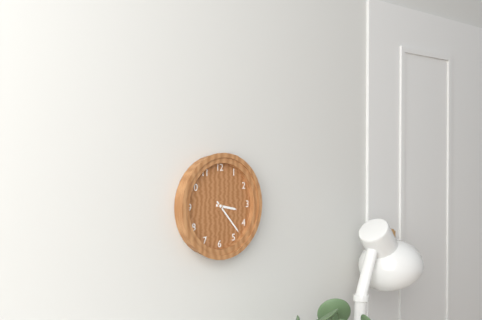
3,23
